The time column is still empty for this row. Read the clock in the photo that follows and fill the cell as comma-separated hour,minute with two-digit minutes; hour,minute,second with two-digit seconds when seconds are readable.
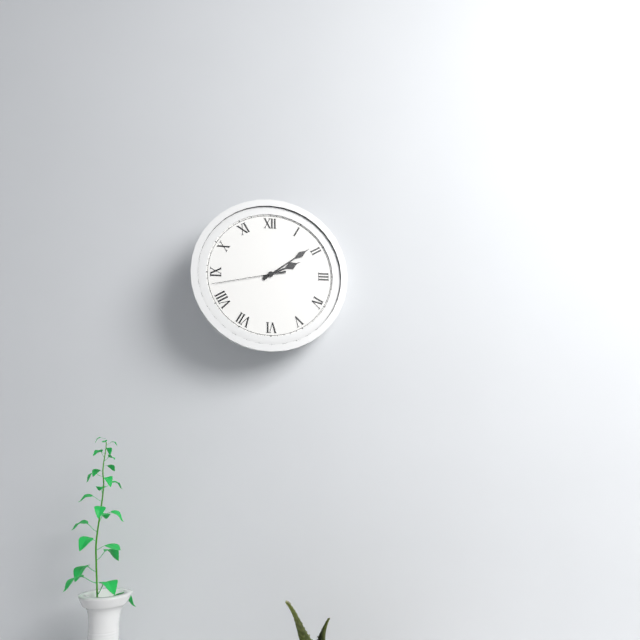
2,09,43
